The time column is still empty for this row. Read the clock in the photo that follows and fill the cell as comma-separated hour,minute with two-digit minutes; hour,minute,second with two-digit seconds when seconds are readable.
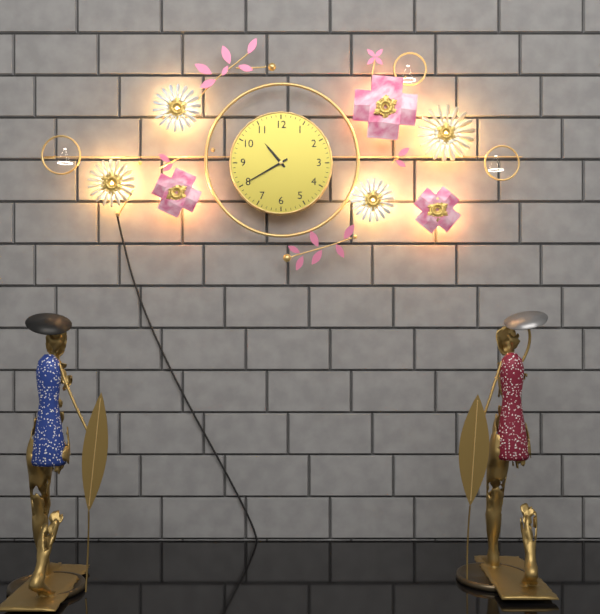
10,40
